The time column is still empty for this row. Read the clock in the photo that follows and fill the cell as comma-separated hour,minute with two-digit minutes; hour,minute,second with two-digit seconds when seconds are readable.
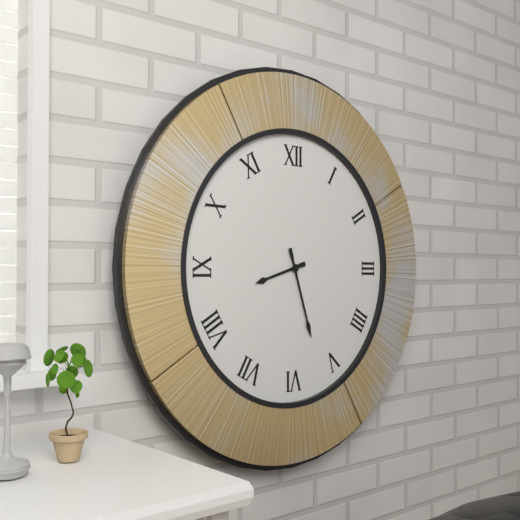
8,27
